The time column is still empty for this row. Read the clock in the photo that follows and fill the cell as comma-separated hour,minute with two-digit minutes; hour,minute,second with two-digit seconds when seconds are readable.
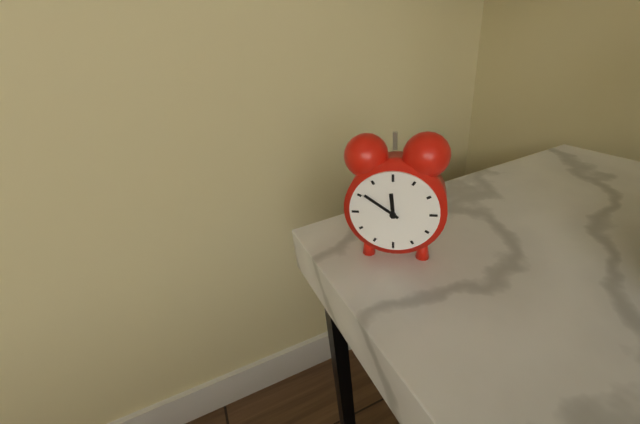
11,51
